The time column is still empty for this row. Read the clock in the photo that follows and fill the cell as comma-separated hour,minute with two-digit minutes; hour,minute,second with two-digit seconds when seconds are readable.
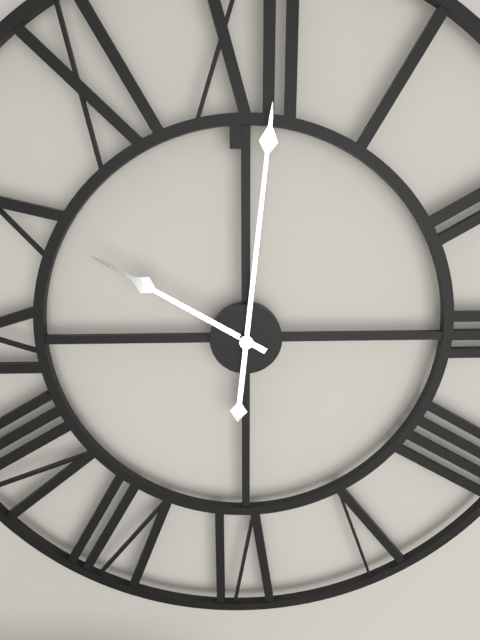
10,01
